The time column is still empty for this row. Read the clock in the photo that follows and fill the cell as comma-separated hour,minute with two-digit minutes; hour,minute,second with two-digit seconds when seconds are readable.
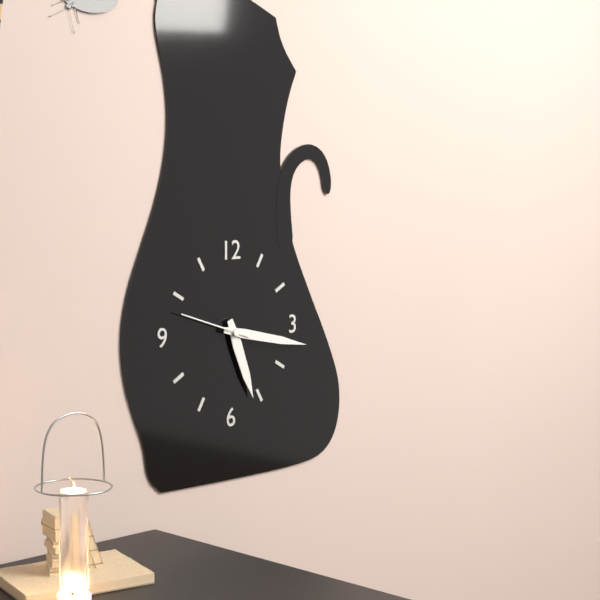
5,17,48
